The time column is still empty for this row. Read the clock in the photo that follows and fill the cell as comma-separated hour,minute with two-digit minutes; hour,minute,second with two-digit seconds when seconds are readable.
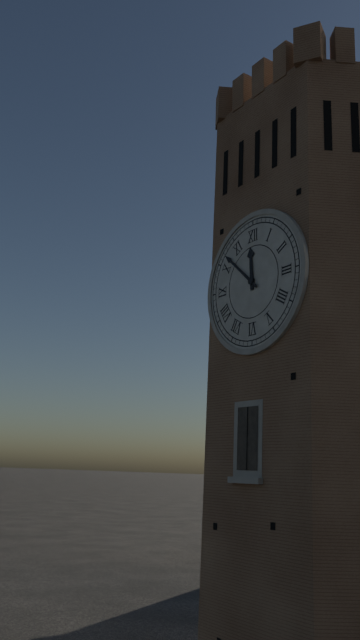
11,52
